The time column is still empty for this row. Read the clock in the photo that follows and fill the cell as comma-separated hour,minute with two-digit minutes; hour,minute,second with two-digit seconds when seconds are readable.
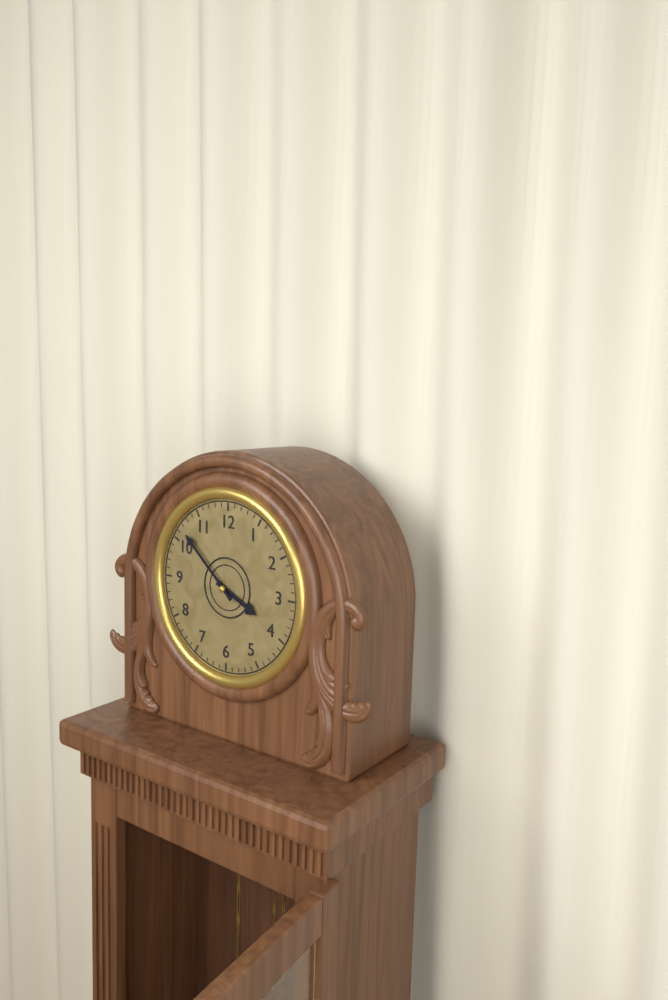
3,52
